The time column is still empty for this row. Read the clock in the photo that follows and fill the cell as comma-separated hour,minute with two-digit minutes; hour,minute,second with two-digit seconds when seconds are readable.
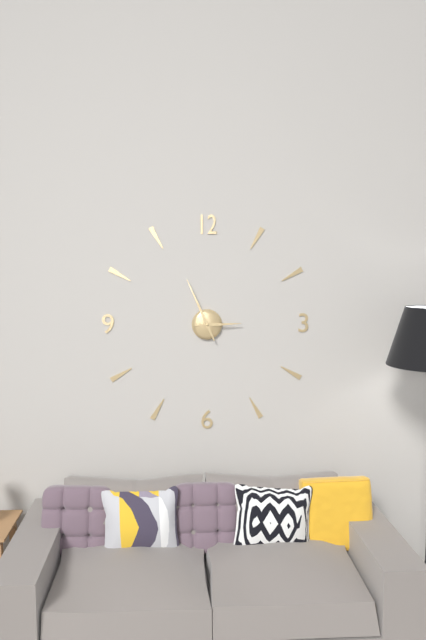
2,56
